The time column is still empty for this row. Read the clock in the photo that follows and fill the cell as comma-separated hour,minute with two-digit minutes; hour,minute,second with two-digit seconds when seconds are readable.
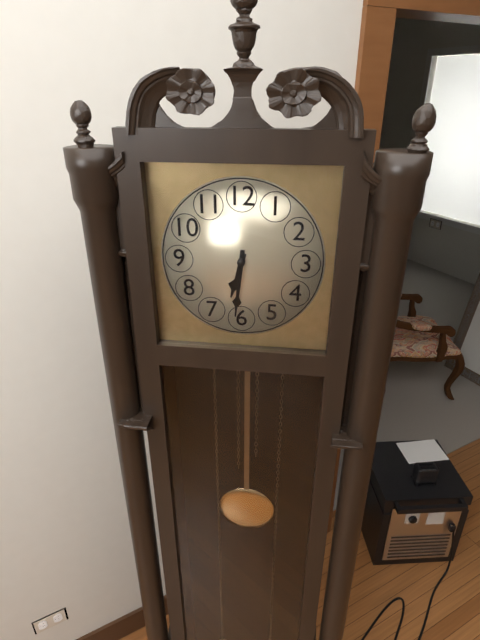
6,31
